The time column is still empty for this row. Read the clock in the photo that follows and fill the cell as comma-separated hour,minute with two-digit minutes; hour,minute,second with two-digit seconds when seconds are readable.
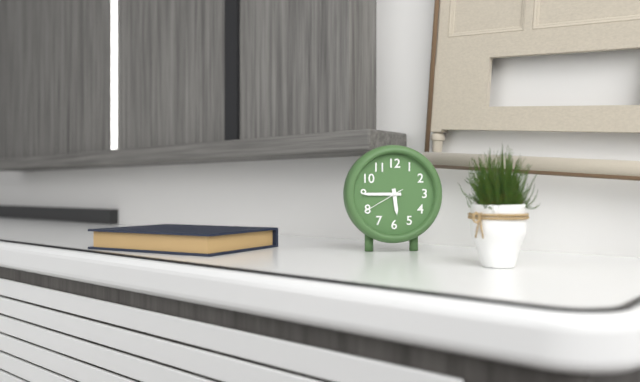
5,45
